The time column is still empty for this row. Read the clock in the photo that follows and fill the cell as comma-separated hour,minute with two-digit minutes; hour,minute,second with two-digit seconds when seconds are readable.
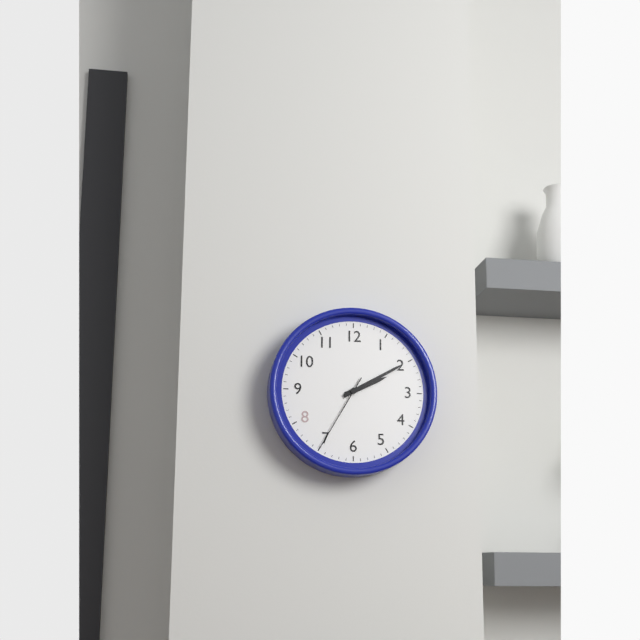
2,10,35
